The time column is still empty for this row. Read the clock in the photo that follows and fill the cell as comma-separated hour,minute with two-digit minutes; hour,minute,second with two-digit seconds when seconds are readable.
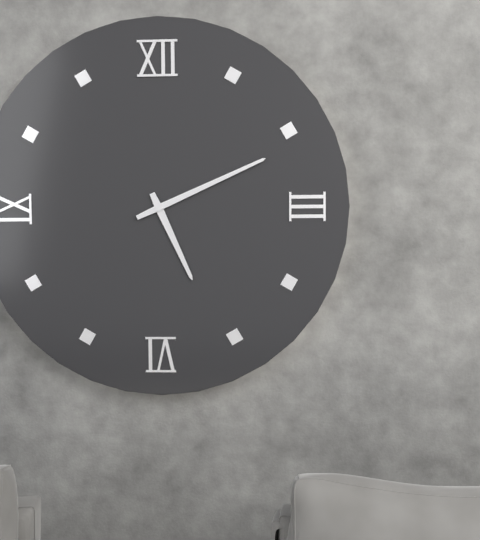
5,11
